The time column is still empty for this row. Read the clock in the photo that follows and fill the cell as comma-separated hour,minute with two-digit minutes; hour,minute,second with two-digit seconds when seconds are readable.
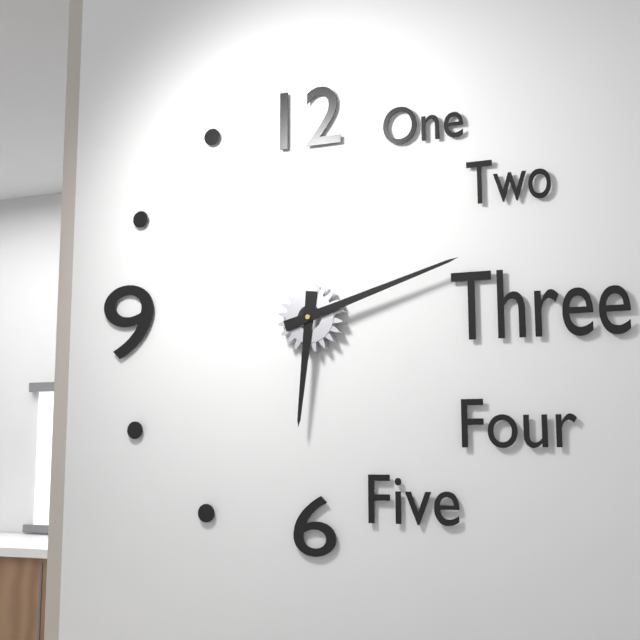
6,12
